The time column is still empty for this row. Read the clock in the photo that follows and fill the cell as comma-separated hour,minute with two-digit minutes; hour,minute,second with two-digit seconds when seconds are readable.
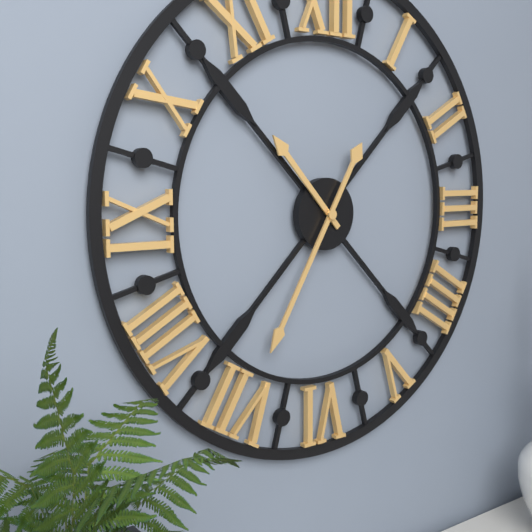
10,35
